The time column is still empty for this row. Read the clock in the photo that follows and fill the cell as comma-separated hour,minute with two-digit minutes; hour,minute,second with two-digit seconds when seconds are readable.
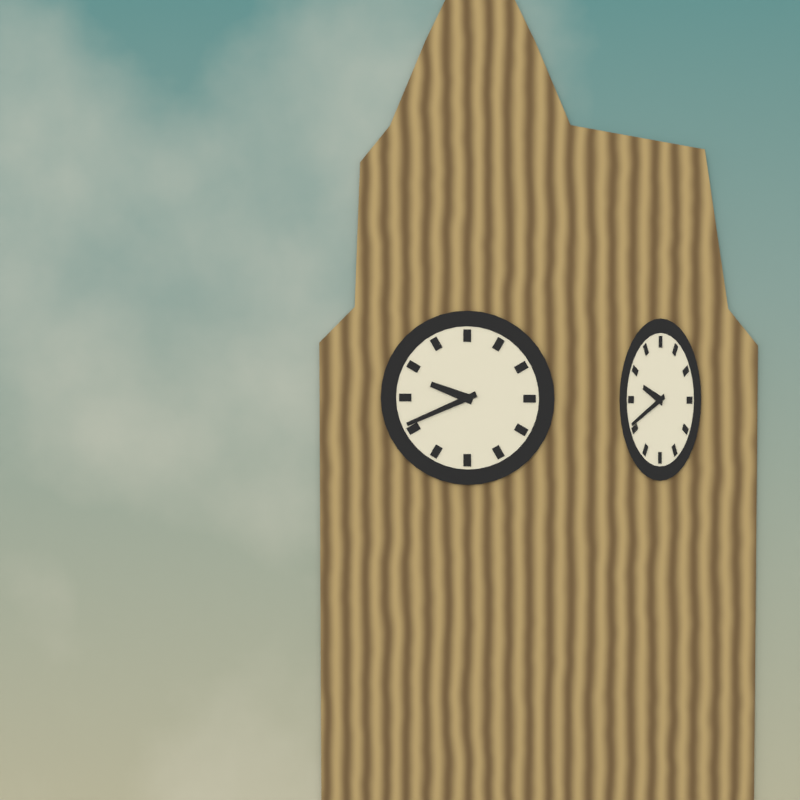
9,41
